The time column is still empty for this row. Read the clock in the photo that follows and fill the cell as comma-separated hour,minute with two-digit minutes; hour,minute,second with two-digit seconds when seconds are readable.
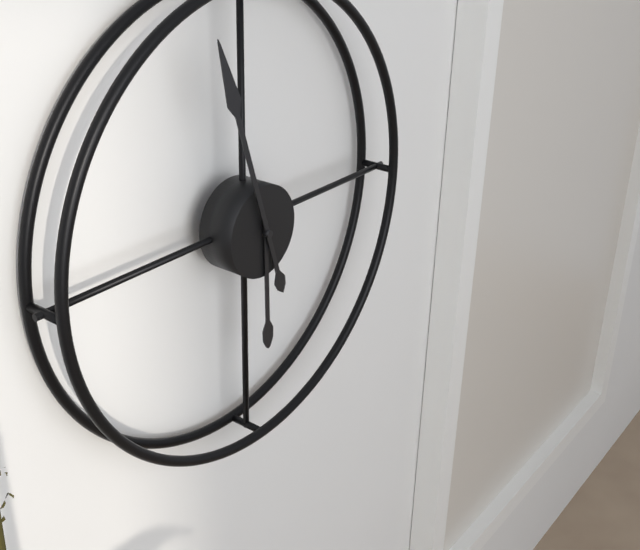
5,57
